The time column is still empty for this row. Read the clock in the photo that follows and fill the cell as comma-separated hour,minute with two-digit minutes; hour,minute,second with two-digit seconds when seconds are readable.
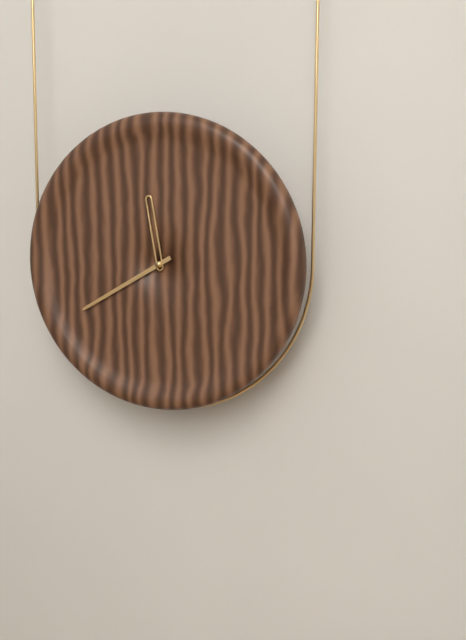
11,40
